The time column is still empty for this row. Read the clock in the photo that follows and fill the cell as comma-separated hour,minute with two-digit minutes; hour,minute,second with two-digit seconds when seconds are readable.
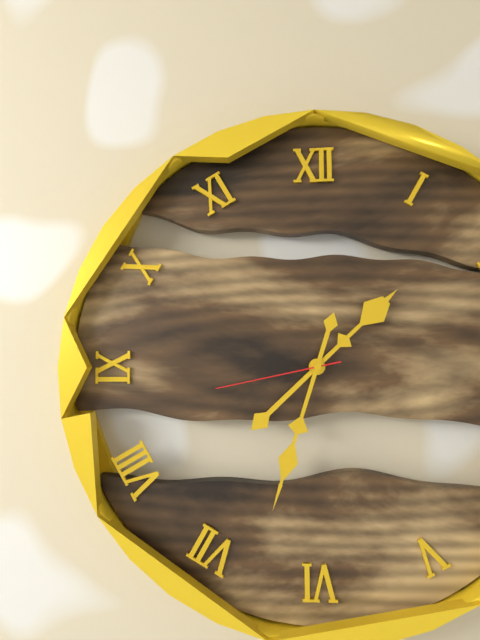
1,33,43
